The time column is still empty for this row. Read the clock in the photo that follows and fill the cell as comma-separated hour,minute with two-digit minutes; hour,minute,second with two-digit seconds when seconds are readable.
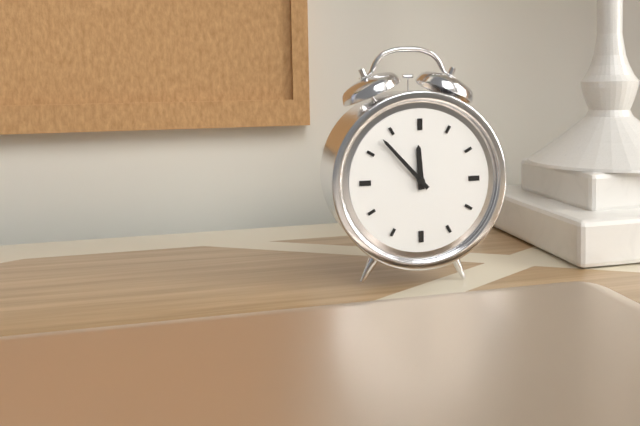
11,53
